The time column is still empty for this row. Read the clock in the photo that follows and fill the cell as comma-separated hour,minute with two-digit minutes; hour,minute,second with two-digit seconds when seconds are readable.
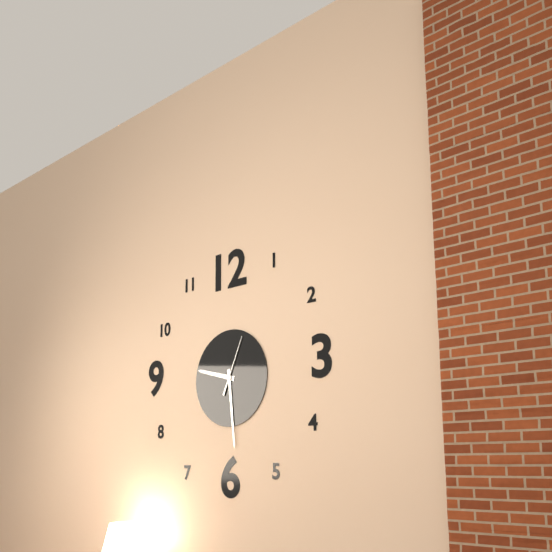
9,29,04
